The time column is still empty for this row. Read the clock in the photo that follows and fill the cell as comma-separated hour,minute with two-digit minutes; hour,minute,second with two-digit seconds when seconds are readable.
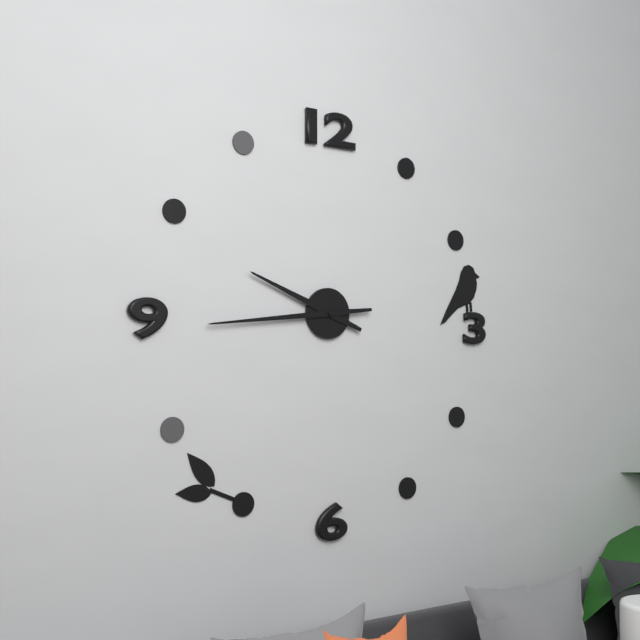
9,44
